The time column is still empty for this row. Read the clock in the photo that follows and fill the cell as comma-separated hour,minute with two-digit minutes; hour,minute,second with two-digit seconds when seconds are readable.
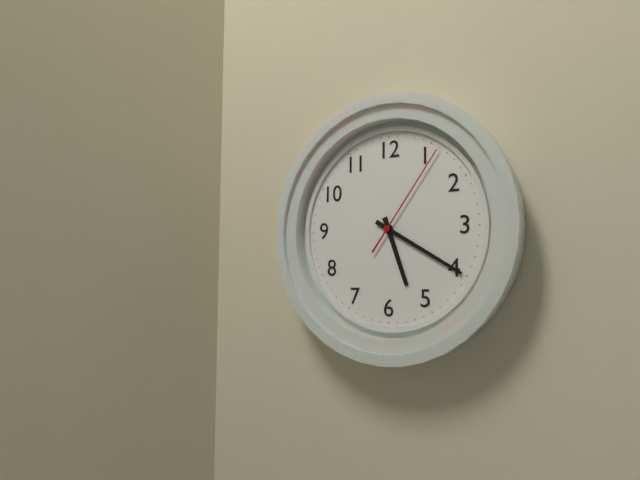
5,20,06
